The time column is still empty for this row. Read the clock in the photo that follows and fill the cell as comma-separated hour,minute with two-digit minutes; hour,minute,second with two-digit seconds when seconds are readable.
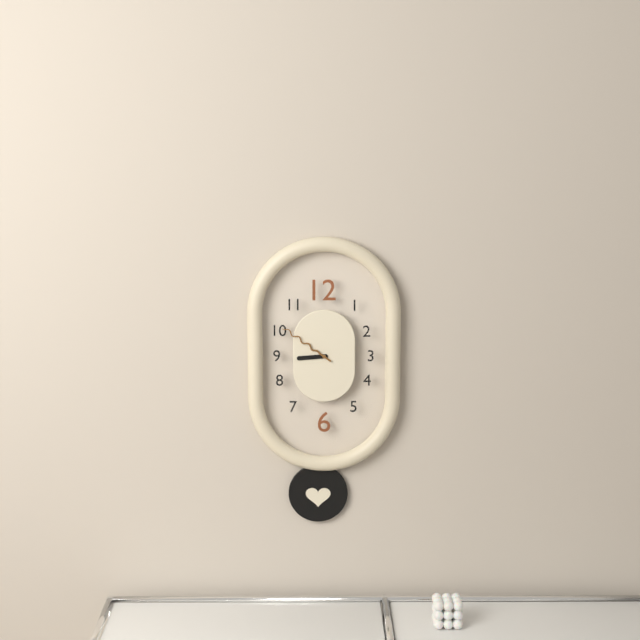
8,51
